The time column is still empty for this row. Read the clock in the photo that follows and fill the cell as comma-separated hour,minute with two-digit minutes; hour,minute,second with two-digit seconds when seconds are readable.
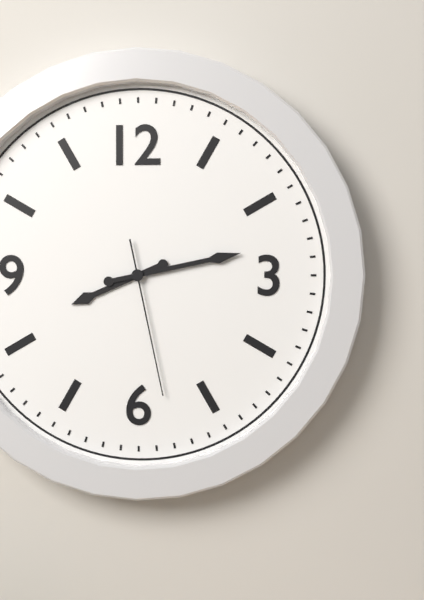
8,13,28
